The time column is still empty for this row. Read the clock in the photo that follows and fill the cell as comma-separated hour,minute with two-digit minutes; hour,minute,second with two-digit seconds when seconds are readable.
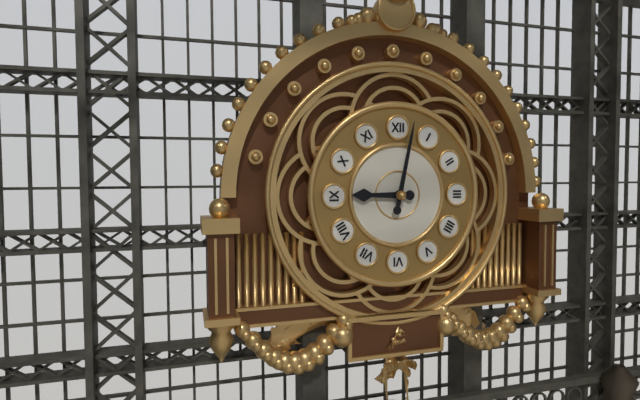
9,02
